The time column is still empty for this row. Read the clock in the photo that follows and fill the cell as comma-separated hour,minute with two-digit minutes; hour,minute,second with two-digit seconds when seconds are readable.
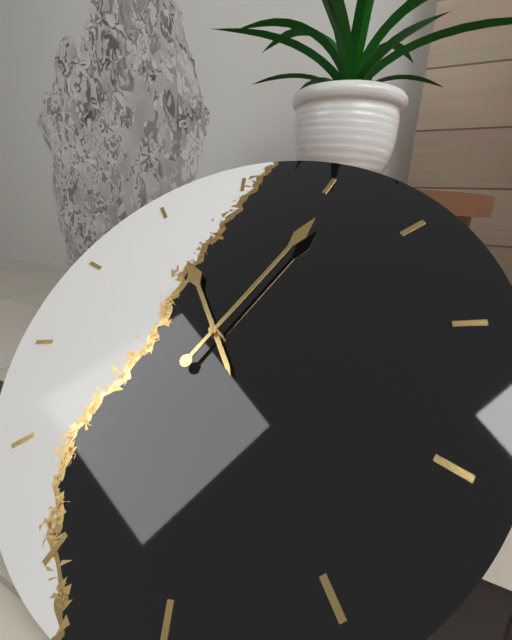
11,06
